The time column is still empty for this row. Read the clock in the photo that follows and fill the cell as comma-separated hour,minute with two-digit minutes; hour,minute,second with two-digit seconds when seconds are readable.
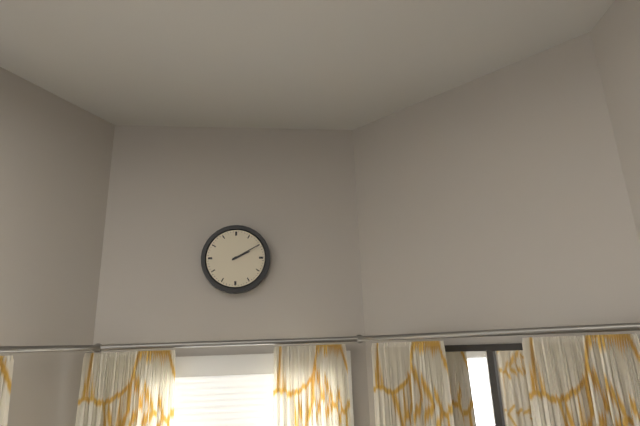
2,10
